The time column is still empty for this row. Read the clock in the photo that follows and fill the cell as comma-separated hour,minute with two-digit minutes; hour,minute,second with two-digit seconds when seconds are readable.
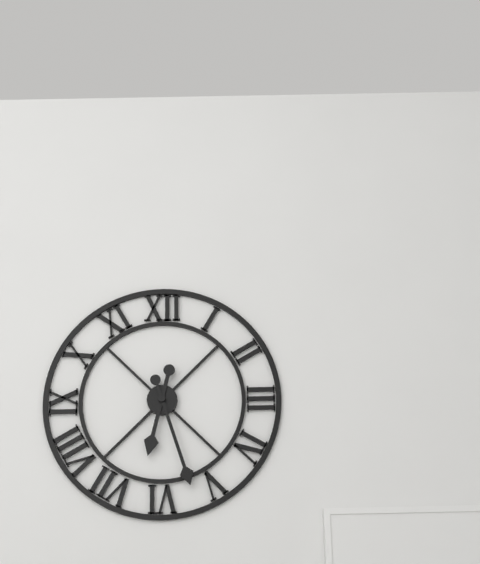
6,27
